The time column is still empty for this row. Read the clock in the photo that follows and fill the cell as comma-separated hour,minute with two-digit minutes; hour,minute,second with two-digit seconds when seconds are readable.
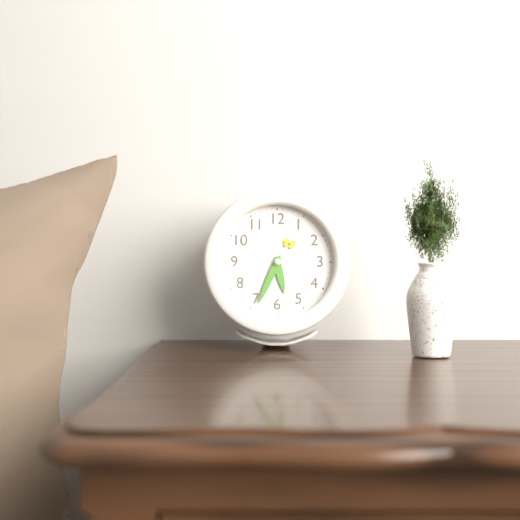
5,34
